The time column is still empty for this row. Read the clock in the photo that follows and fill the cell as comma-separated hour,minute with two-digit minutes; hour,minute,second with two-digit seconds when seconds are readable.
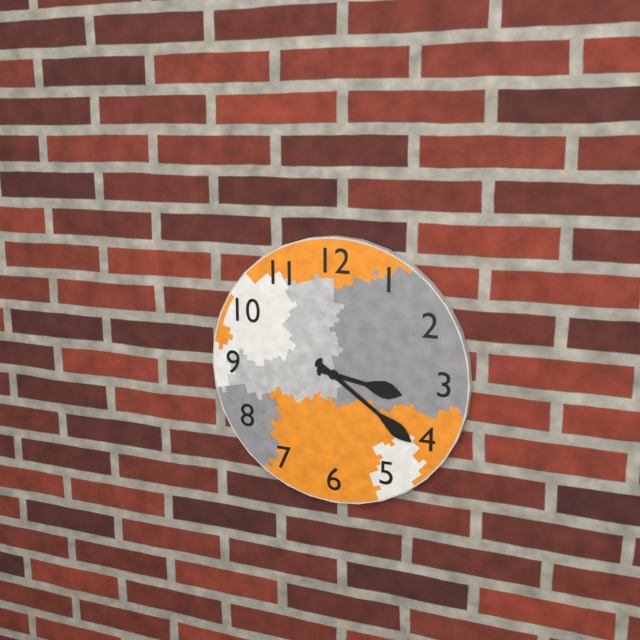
3,21
